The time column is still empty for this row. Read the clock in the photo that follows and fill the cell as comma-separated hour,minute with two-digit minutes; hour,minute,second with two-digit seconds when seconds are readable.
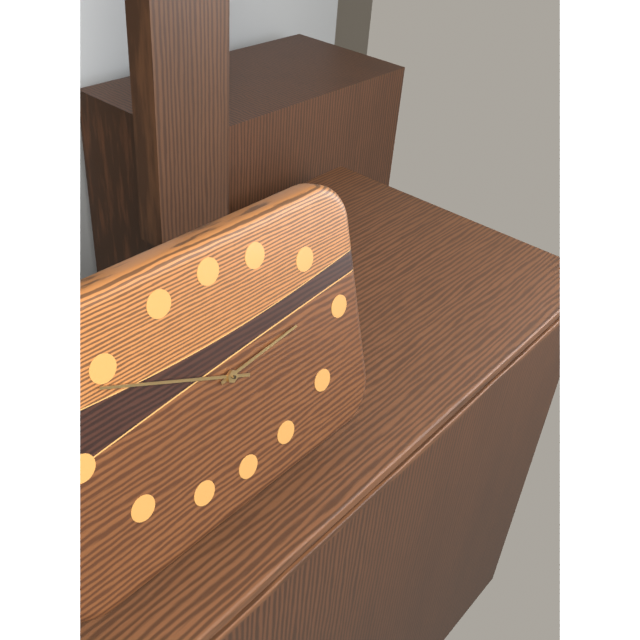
2,49
